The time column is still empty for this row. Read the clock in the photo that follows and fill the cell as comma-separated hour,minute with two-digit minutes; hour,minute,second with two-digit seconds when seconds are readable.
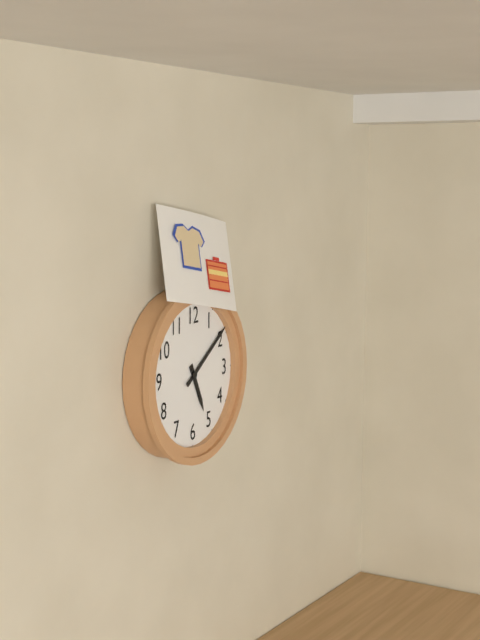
5,09
